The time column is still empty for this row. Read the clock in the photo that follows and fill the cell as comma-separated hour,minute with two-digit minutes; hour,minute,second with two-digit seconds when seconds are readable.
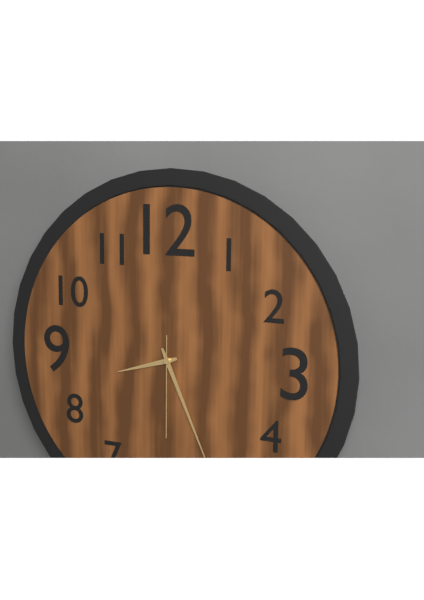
8,26,30
